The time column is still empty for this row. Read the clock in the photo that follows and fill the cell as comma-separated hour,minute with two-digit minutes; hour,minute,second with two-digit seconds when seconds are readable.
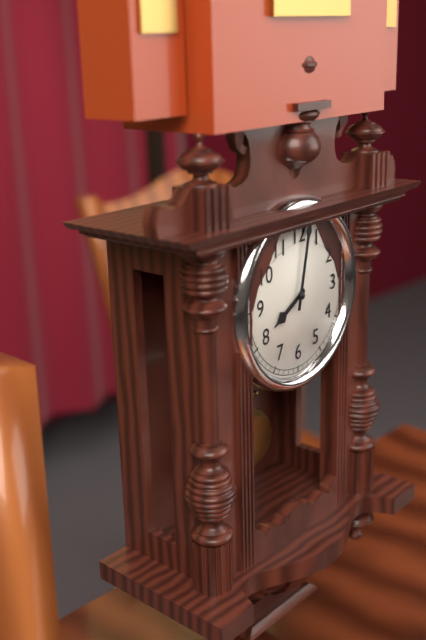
8,02
